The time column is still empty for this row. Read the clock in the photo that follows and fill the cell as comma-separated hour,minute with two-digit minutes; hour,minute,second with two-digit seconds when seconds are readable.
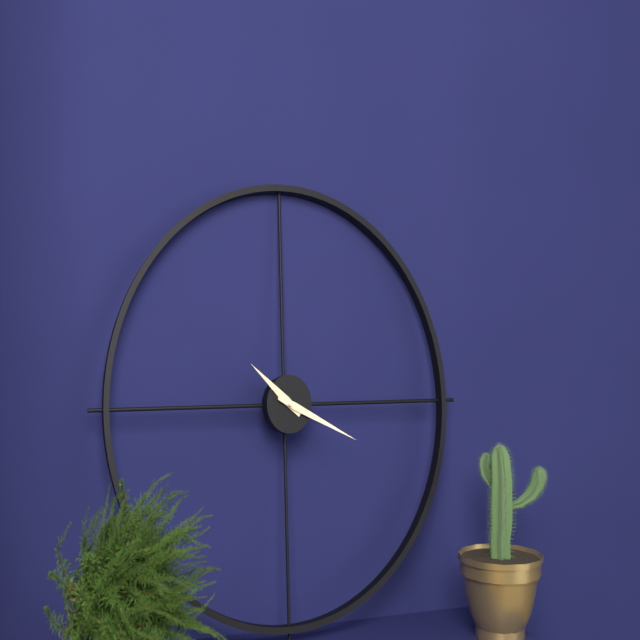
10,19
